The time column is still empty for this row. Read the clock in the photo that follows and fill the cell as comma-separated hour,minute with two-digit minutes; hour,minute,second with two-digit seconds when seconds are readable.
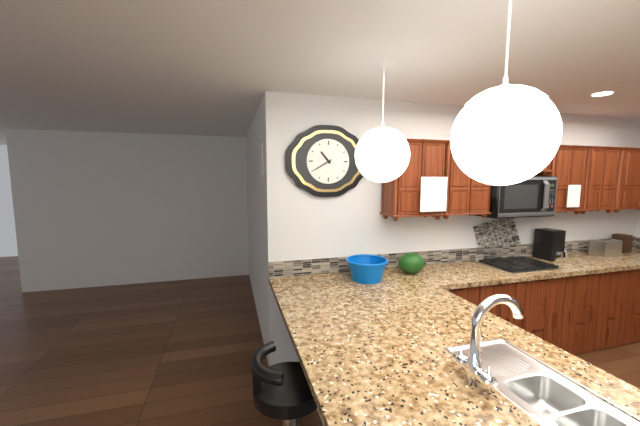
10,40
